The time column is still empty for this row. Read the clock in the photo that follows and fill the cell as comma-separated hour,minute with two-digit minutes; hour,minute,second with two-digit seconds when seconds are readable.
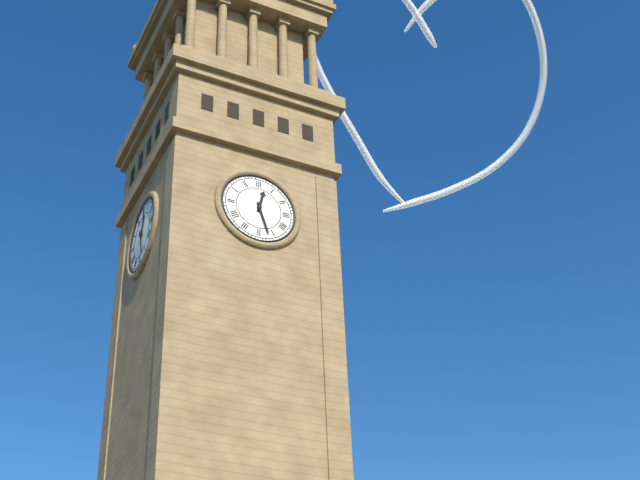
12,27
